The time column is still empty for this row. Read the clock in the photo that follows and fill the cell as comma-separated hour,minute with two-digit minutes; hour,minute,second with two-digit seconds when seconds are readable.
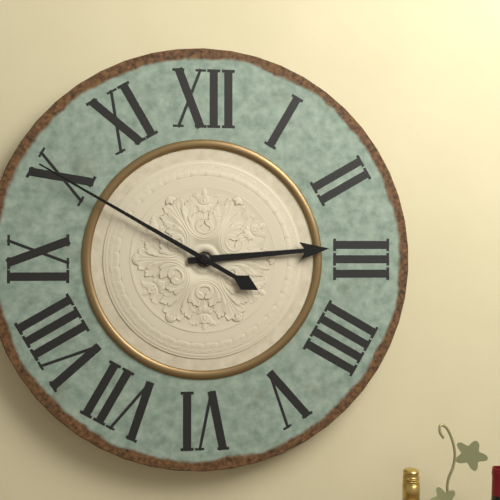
2,50
